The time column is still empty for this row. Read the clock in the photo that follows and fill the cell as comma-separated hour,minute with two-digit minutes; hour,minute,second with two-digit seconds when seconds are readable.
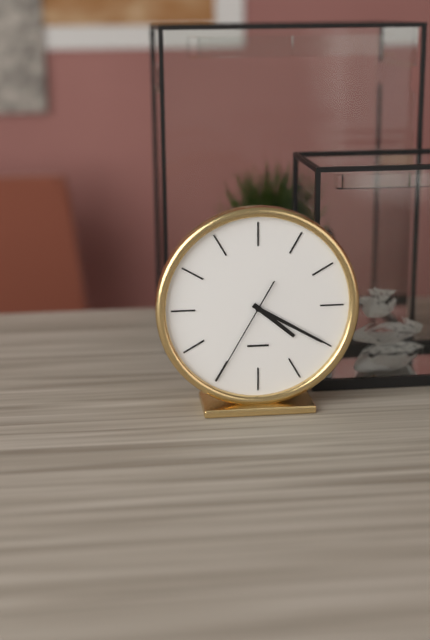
4,20,35
